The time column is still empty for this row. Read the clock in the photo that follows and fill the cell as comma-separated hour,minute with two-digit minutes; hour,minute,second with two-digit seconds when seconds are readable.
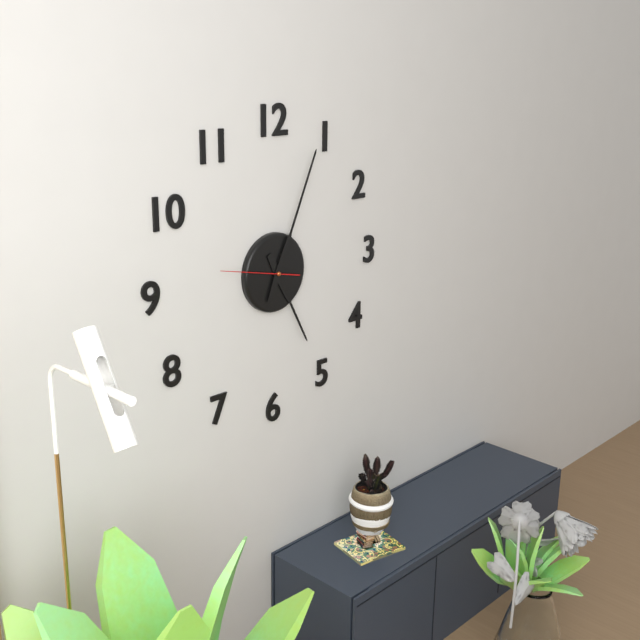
5,04,47
